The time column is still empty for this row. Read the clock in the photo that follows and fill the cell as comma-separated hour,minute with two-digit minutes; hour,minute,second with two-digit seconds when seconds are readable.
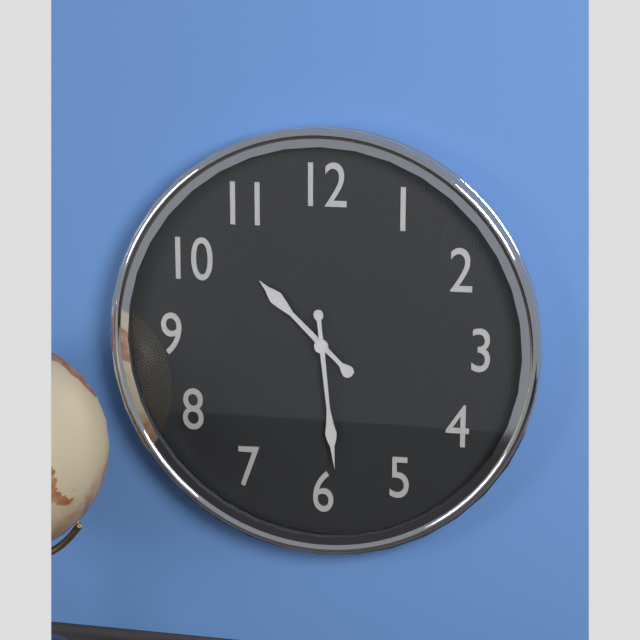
10,29
